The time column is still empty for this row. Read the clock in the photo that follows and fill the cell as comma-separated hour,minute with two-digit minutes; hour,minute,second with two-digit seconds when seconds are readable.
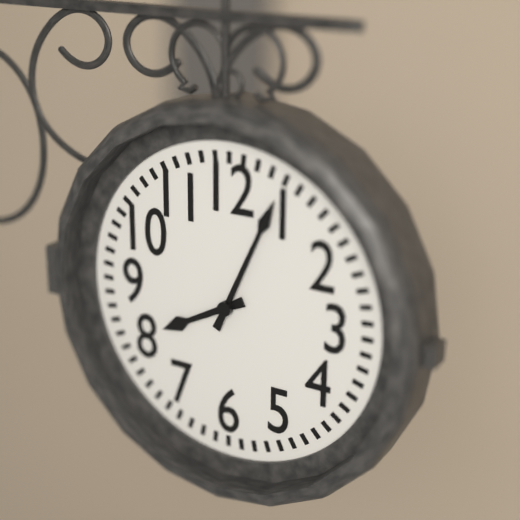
8,04
